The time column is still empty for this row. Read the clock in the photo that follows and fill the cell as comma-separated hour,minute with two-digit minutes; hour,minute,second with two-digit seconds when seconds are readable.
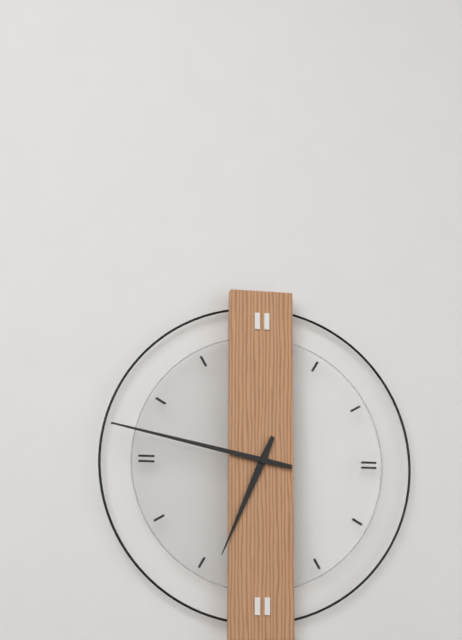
6,47
